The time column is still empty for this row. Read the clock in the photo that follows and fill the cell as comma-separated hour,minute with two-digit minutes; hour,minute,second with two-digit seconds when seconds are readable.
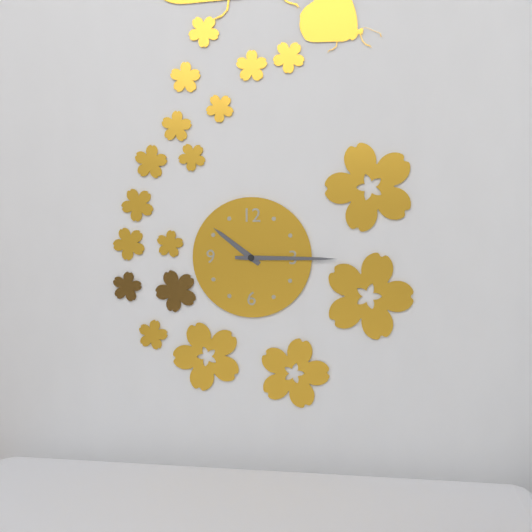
10,15
